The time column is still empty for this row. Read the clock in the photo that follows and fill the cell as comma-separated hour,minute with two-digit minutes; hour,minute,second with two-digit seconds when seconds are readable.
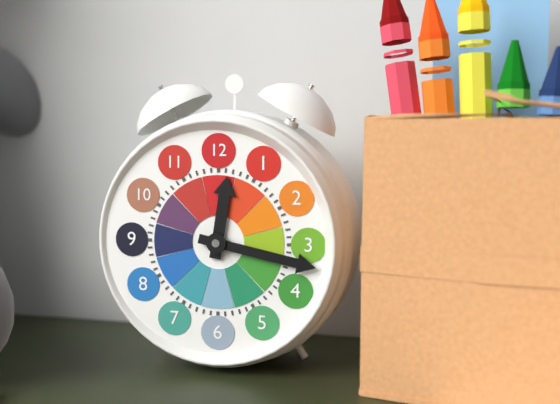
12,17
